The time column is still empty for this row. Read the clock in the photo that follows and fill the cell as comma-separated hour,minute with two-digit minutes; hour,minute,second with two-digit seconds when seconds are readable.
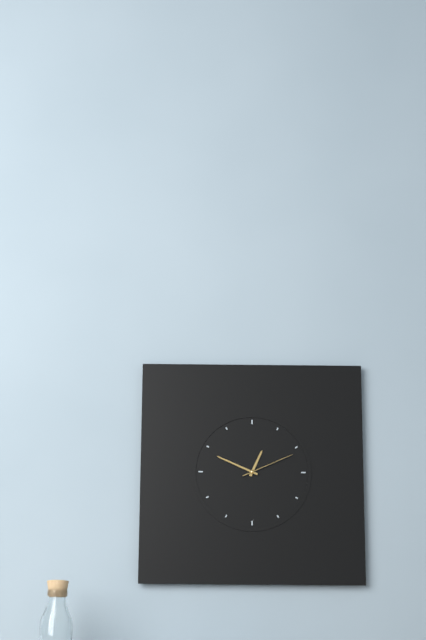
12,49,11
